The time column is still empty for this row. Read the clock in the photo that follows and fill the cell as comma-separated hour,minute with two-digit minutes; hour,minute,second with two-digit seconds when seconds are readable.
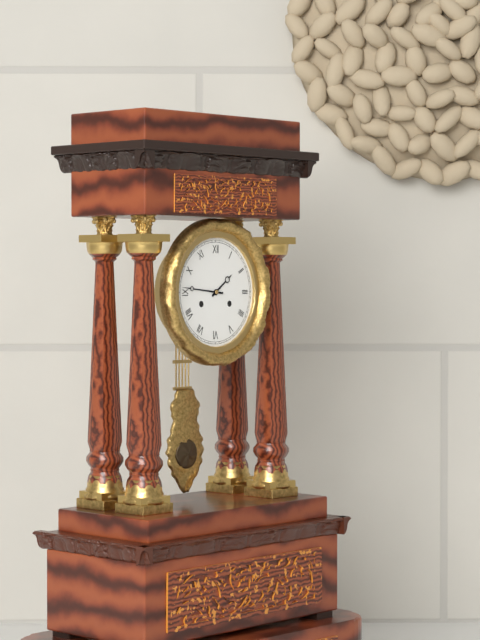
1,46
